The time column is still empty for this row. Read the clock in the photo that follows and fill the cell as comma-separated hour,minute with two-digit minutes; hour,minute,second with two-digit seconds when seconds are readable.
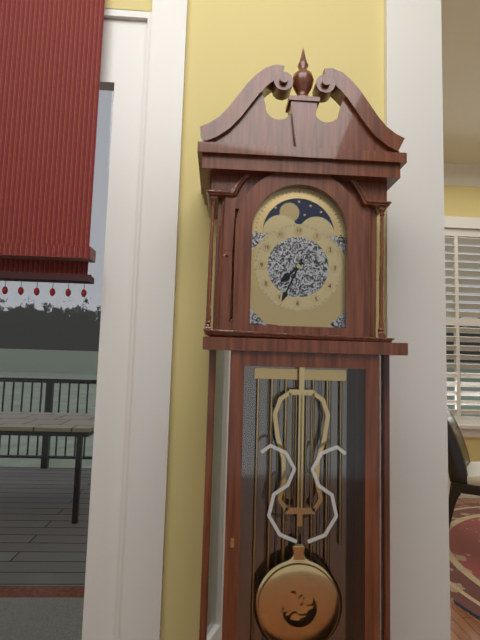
7,34
